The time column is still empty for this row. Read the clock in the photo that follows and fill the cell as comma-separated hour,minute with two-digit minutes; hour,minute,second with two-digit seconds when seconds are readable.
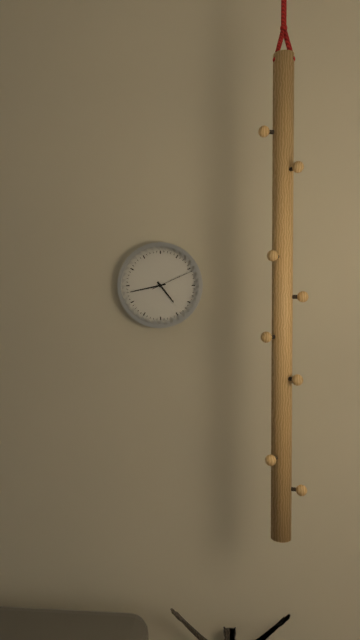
4,43
